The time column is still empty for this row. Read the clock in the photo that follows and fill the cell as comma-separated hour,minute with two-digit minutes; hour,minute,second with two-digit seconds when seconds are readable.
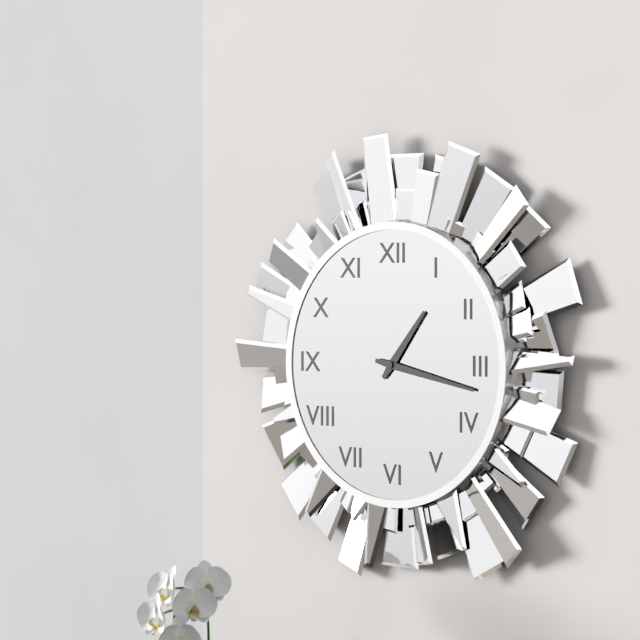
1,17
